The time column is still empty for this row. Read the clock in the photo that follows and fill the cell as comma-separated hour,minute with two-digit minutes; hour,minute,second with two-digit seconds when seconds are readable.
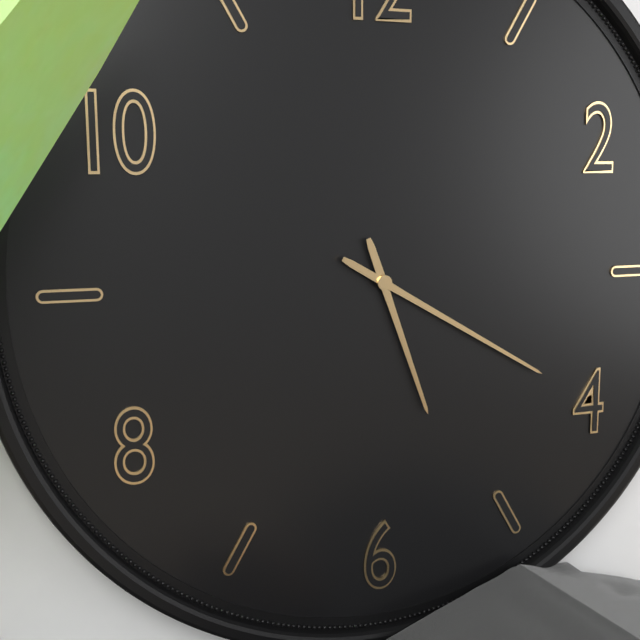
5,20
